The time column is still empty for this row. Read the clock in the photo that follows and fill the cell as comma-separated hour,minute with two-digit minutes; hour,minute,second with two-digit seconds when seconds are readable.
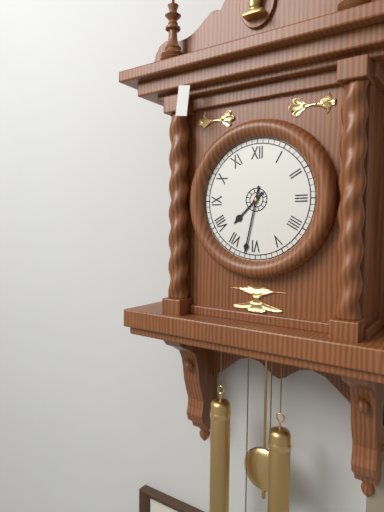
7,32
